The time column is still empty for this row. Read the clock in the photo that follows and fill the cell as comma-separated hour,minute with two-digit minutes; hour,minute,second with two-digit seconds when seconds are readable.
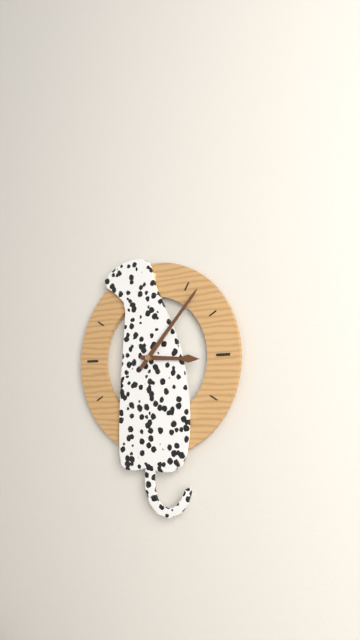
3,07
